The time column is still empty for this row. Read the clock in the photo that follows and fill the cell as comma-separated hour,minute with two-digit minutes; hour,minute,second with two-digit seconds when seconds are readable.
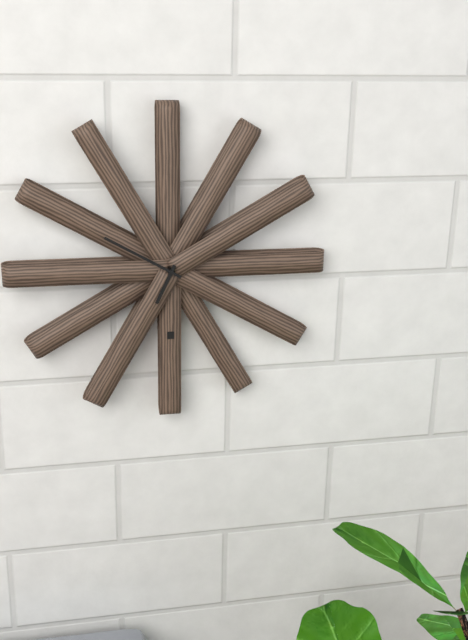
6,50
